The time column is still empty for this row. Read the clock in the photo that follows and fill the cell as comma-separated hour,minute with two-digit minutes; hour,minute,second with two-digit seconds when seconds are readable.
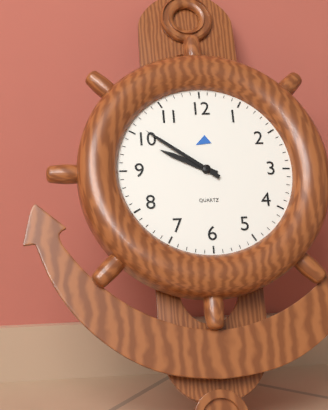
9,51
